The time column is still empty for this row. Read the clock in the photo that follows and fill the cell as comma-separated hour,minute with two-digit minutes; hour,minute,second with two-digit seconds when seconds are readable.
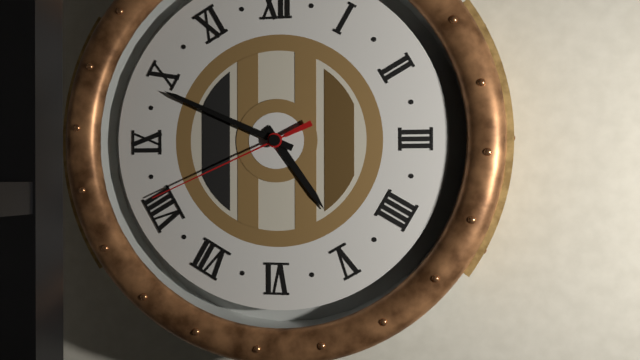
4,49,41
